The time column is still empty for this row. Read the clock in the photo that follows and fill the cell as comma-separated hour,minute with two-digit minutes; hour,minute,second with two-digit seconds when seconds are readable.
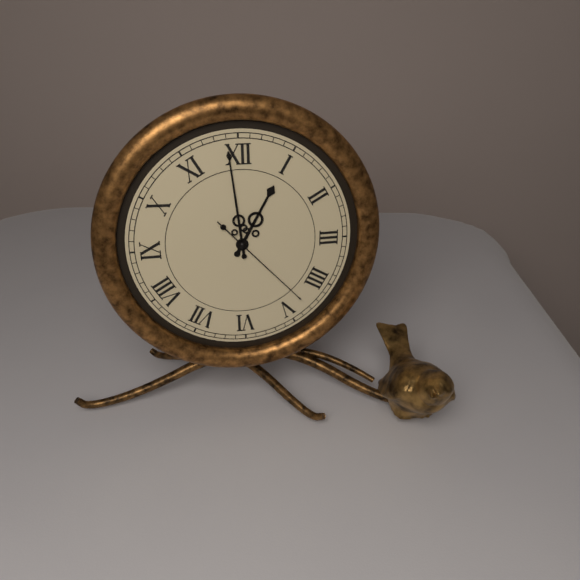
12,59,23
